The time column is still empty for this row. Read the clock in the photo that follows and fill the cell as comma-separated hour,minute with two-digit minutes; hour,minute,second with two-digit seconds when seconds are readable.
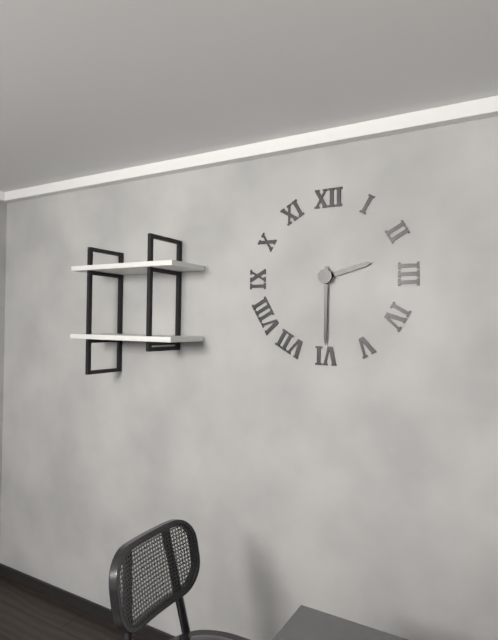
2,30
